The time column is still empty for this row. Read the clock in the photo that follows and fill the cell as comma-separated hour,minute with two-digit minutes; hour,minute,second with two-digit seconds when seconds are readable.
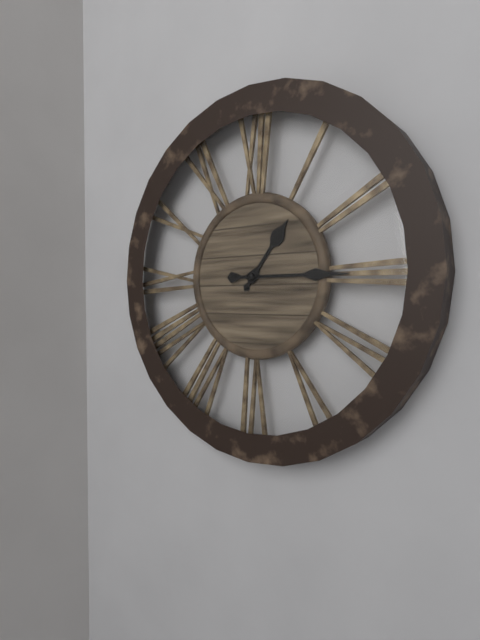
1,15
